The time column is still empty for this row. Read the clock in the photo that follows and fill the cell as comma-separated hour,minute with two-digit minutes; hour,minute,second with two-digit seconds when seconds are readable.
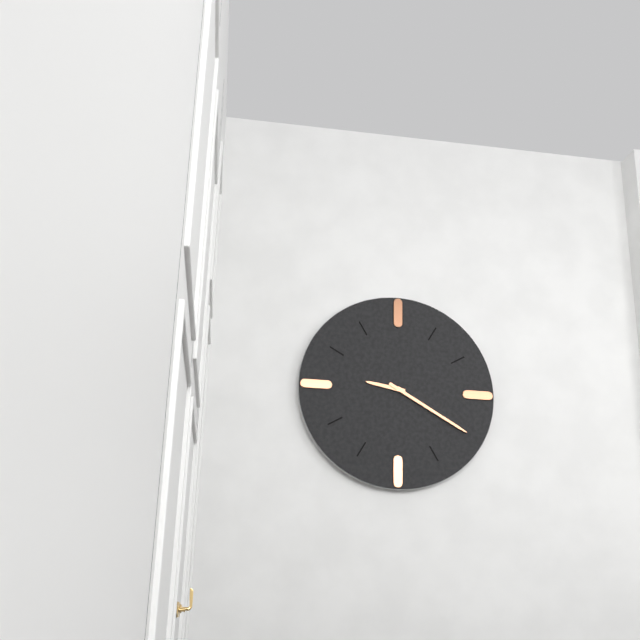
9,20
